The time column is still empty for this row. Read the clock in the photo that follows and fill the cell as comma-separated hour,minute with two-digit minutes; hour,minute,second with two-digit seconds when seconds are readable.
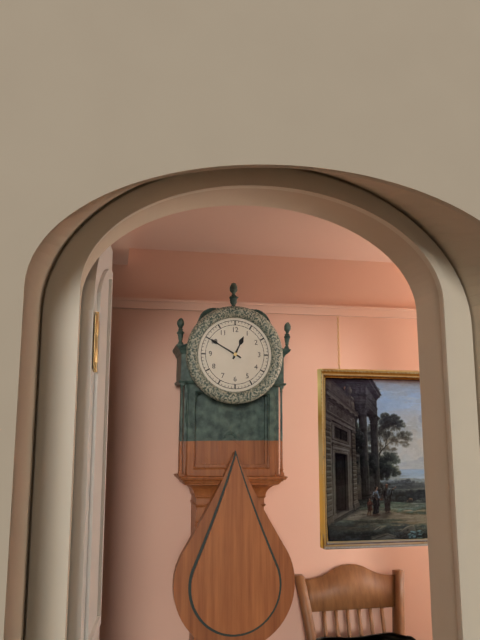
12,50
